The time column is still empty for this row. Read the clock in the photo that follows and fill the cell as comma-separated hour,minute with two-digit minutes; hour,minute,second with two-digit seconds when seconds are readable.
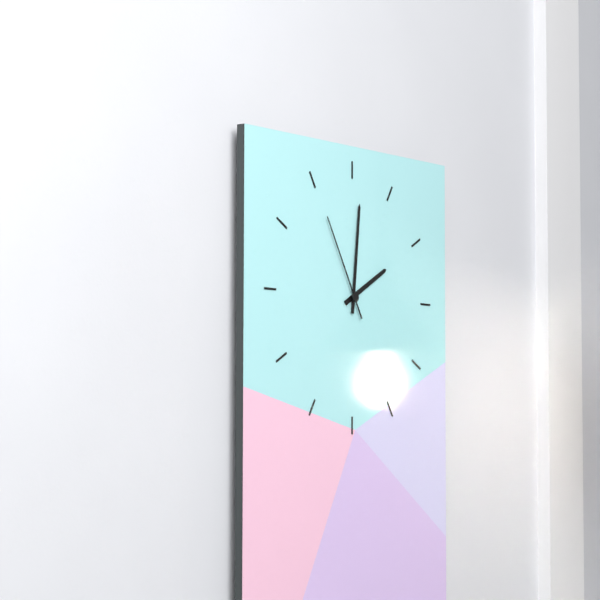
2,01,55
